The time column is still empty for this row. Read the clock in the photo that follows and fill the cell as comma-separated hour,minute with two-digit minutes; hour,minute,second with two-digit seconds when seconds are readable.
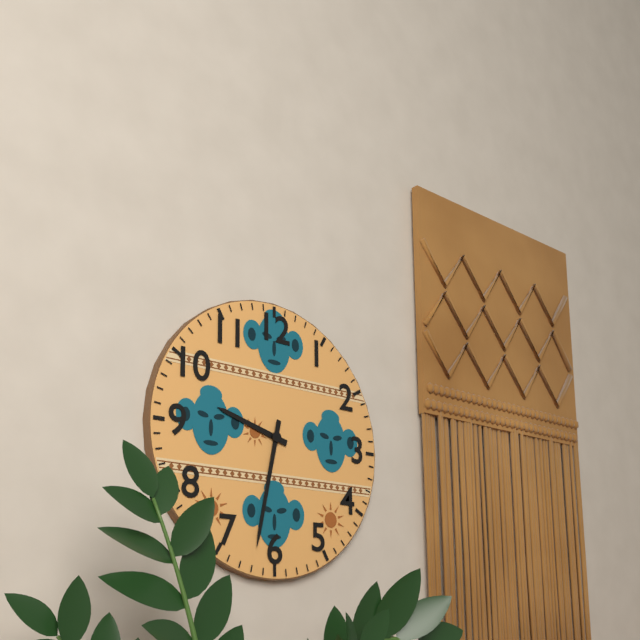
9,32
